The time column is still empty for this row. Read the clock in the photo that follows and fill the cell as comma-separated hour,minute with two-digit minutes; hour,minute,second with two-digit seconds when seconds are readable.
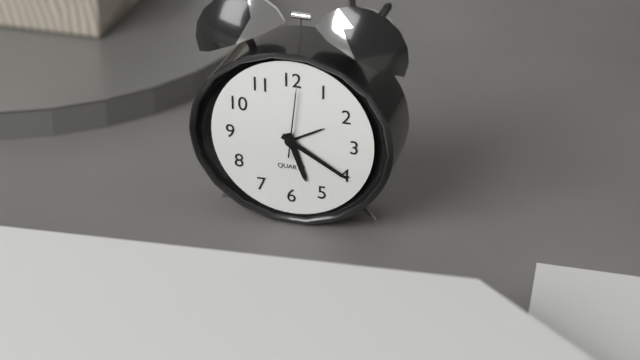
5,20,01
